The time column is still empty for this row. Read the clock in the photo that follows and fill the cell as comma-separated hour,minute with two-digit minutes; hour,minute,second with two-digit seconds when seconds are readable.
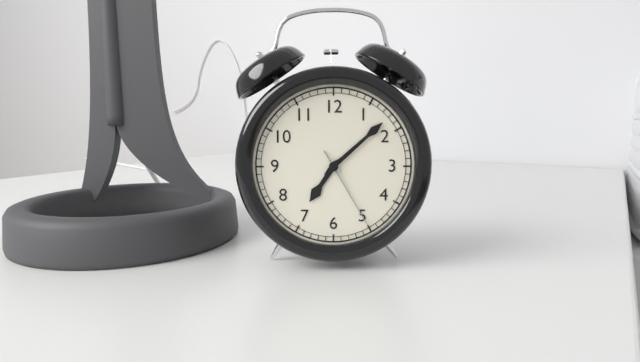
7,08,25
